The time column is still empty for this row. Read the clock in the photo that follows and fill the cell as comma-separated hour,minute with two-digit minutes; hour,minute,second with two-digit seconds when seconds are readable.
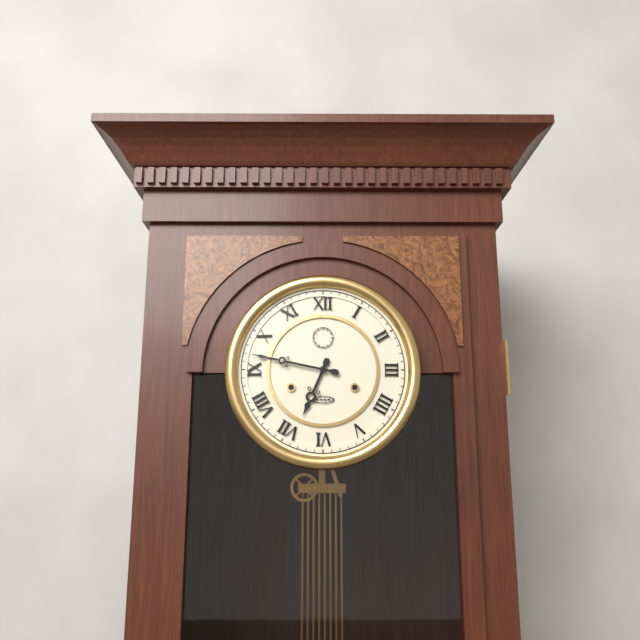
6,47
